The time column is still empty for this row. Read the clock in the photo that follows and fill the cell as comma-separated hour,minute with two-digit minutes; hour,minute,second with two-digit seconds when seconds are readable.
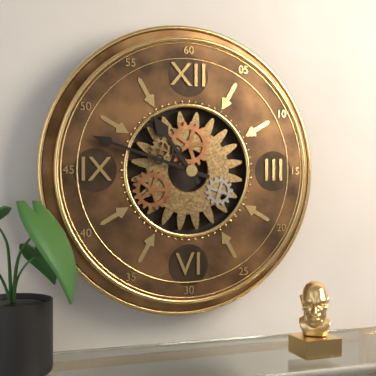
10,48
